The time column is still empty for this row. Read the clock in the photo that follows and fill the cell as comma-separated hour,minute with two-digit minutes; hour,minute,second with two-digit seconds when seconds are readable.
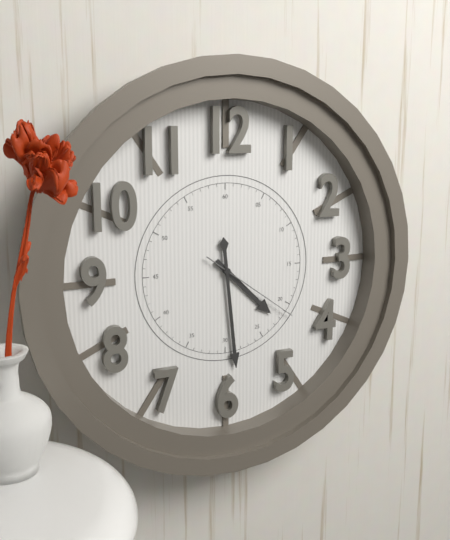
4,29,21
